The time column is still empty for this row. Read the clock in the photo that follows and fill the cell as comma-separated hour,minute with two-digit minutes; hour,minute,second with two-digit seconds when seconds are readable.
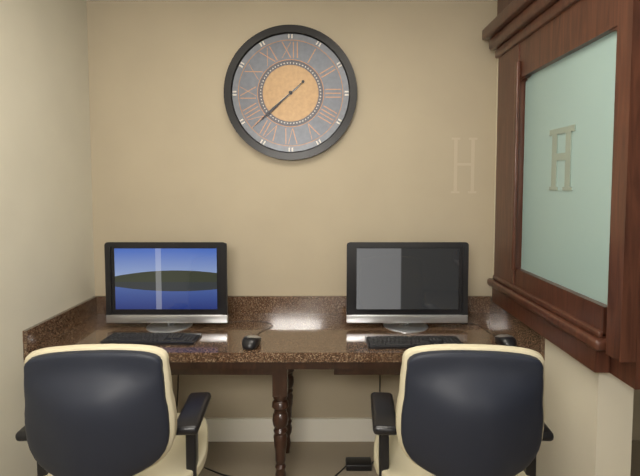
7,38
